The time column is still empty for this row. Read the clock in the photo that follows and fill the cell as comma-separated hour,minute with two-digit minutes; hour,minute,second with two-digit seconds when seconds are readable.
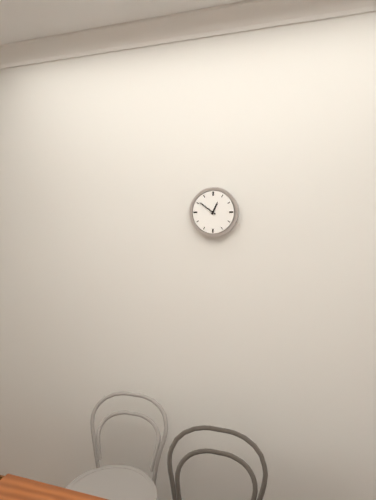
12,51
